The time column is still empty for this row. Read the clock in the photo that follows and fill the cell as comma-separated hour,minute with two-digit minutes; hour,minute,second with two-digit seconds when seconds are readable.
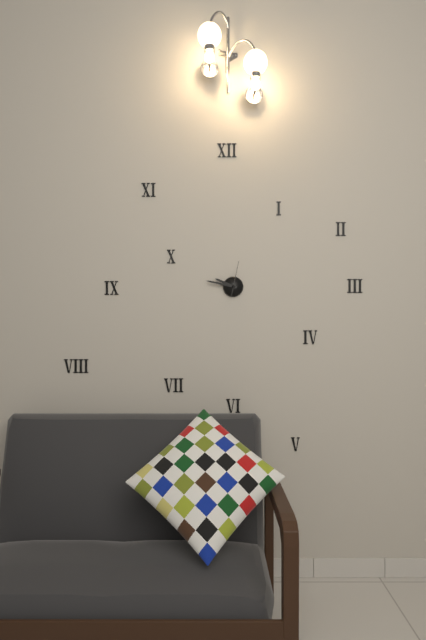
9,47
